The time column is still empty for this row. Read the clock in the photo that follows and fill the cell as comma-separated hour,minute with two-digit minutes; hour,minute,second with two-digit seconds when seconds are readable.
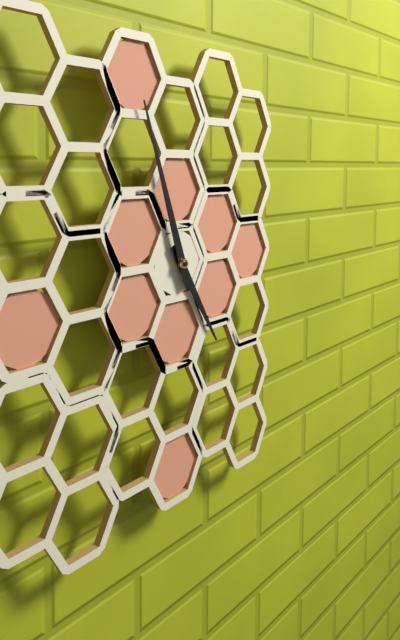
4,57
